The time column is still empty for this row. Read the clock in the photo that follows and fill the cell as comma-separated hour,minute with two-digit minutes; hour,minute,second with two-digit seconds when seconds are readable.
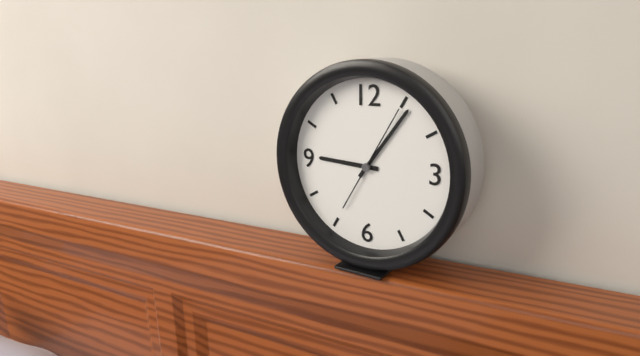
9,06,05
